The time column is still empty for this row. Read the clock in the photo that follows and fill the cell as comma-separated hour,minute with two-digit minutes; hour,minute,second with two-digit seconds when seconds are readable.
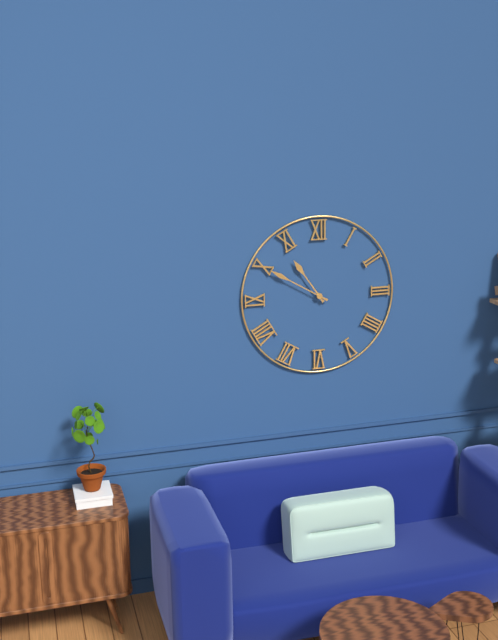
10,50
